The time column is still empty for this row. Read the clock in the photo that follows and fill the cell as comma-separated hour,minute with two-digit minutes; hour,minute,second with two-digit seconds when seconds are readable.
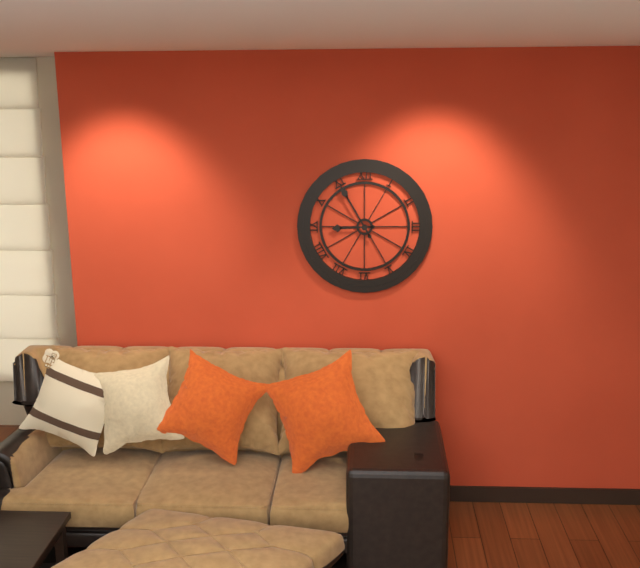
8,55
